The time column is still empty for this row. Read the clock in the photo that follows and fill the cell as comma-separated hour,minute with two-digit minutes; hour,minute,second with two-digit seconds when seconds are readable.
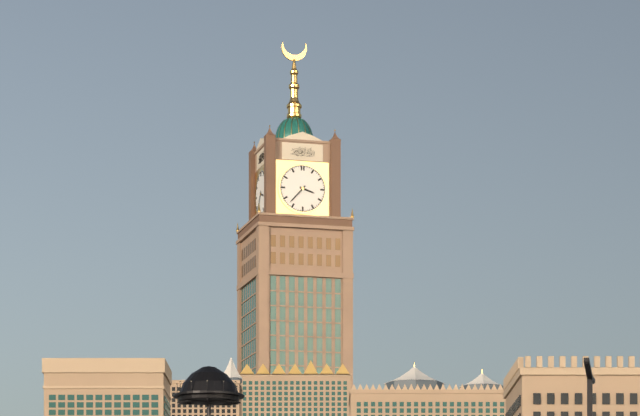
3,37
